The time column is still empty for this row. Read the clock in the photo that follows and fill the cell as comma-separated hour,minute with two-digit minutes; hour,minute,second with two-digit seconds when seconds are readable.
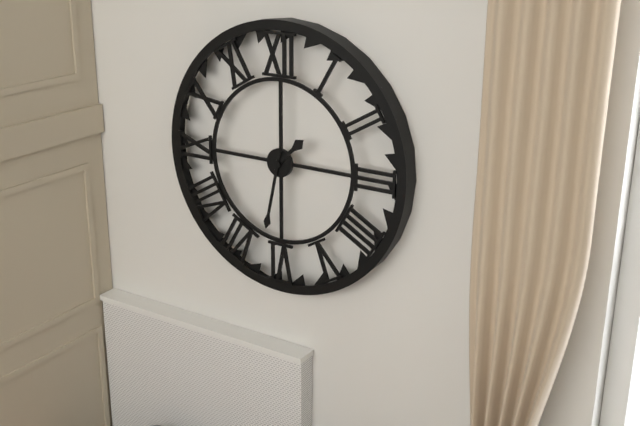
1,32
